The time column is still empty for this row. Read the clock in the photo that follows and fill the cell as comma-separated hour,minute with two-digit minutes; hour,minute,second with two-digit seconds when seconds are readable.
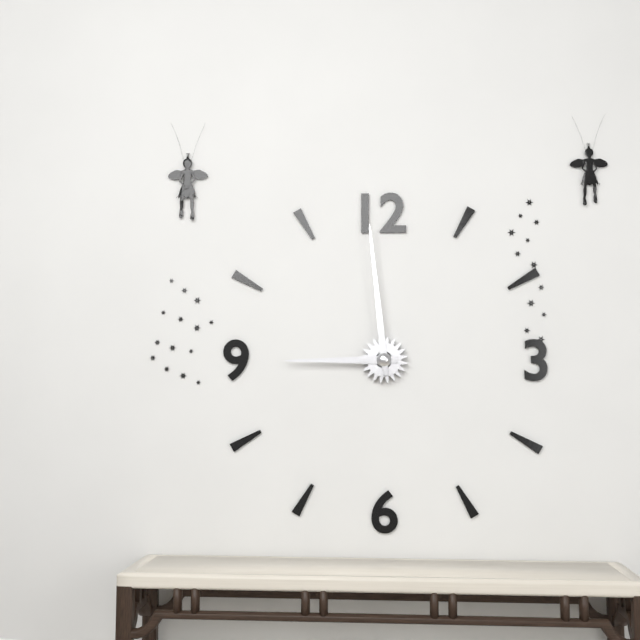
8,59
